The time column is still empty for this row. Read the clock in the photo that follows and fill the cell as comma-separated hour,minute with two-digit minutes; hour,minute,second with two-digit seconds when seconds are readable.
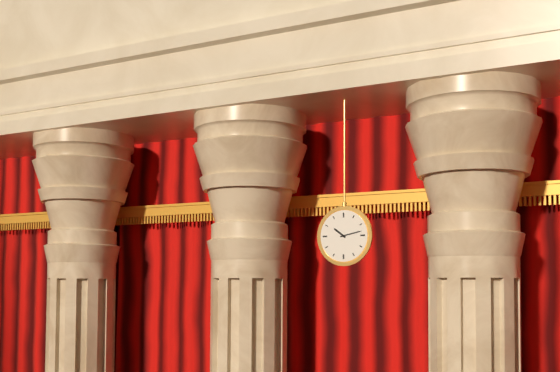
10,13
